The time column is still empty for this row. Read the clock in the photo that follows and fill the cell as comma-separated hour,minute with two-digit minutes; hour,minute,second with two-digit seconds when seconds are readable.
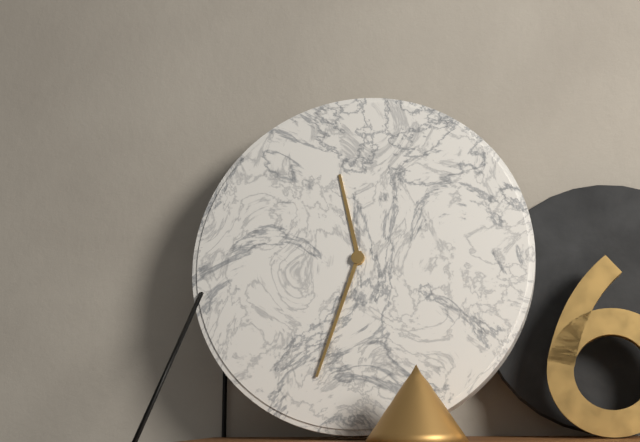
11,33
